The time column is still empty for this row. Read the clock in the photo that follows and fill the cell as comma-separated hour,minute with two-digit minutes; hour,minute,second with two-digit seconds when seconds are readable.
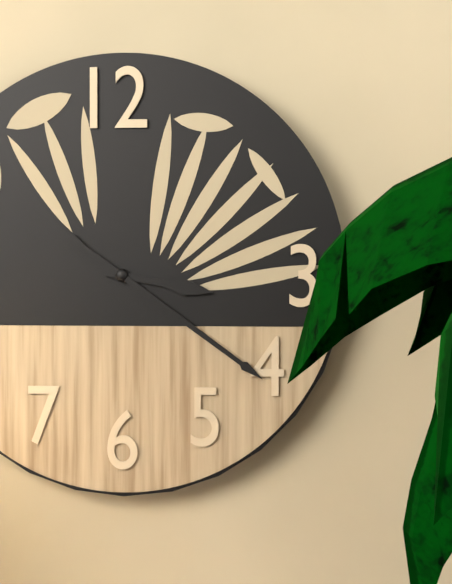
3,21
